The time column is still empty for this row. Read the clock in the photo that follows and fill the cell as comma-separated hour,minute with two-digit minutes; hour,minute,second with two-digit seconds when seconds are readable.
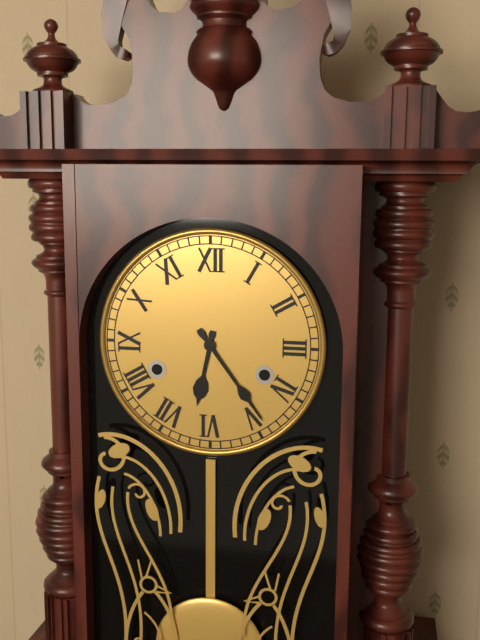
6,24
